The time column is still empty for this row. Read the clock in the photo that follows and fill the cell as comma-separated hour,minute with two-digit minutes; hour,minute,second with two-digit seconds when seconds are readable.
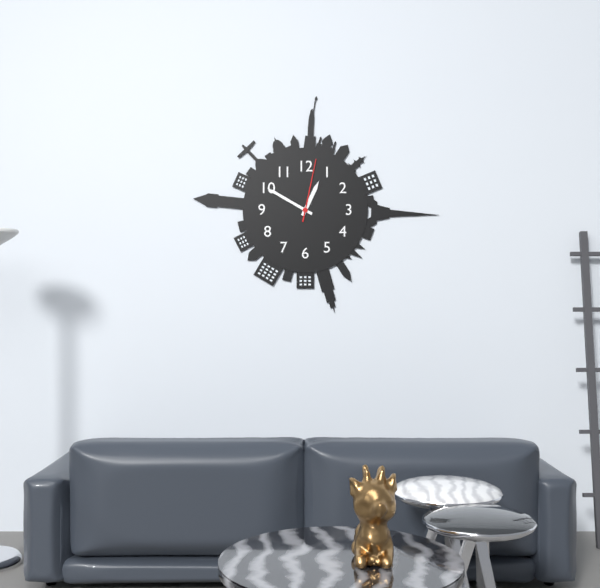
12,50,02
